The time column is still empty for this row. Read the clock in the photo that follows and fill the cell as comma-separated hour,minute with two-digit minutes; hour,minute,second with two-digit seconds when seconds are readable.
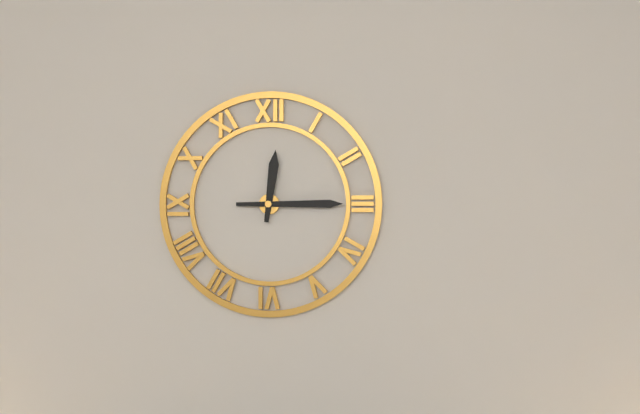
12,15
